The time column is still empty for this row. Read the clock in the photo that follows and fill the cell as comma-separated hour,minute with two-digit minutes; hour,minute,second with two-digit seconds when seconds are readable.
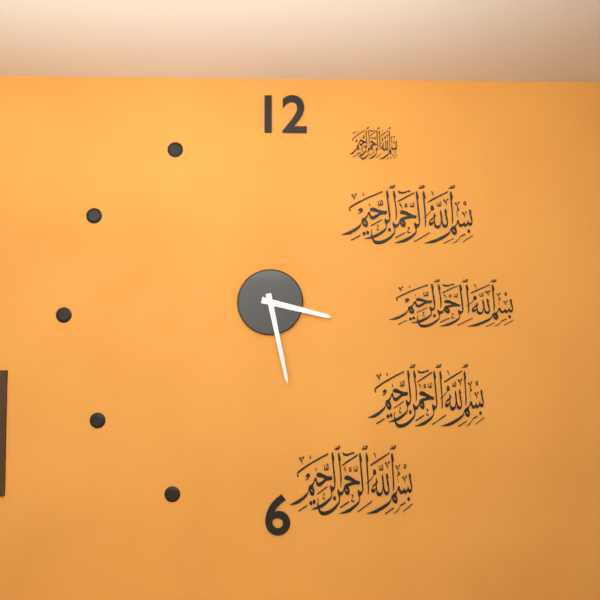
3,28
